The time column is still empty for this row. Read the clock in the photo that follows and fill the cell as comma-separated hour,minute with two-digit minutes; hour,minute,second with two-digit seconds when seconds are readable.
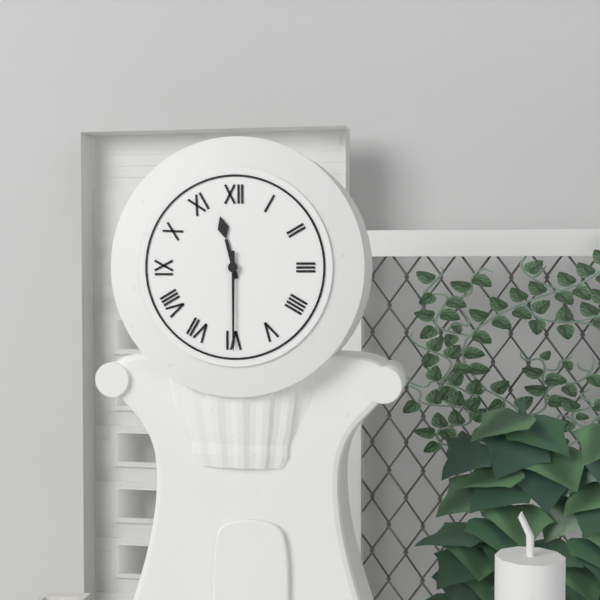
11,30
